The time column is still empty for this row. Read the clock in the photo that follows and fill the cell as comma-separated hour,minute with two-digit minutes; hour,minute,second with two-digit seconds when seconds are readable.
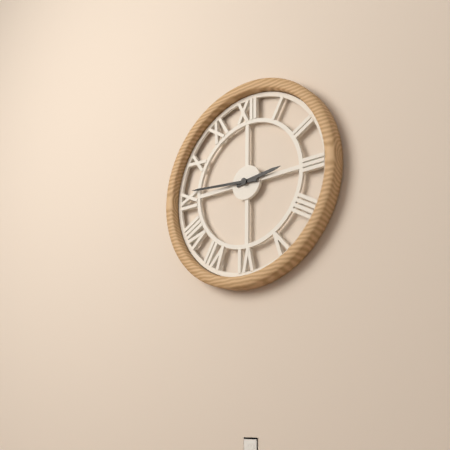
2,46
